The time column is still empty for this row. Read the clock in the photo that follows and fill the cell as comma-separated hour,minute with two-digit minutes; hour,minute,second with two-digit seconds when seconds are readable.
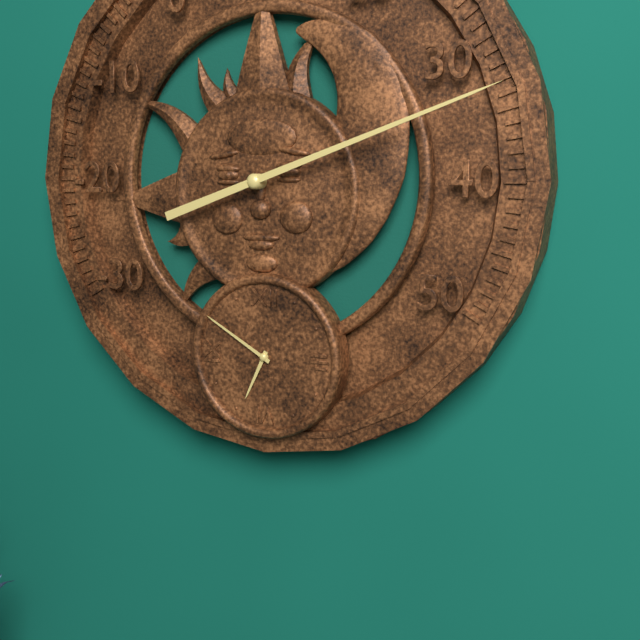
6,50
